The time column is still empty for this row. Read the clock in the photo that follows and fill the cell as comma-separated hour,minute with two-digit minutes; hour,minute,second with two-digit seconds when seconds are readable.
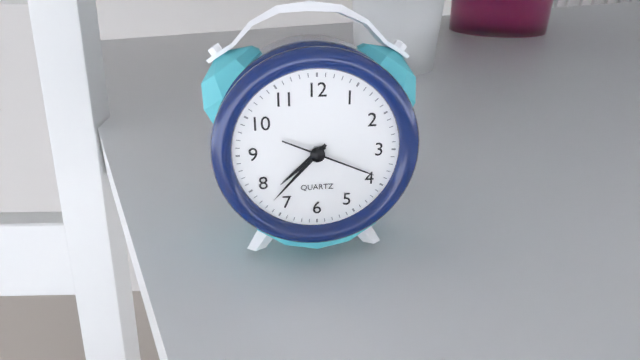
7,37,19
